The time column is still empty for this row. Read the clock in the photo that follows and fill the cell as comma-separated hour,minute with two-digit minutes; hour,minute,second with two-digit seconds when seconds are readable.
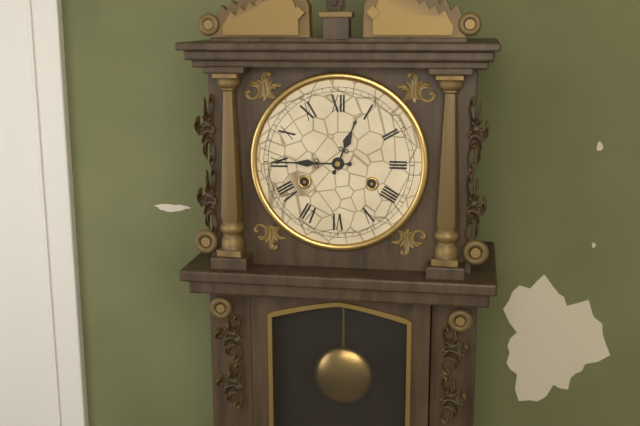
12,45
